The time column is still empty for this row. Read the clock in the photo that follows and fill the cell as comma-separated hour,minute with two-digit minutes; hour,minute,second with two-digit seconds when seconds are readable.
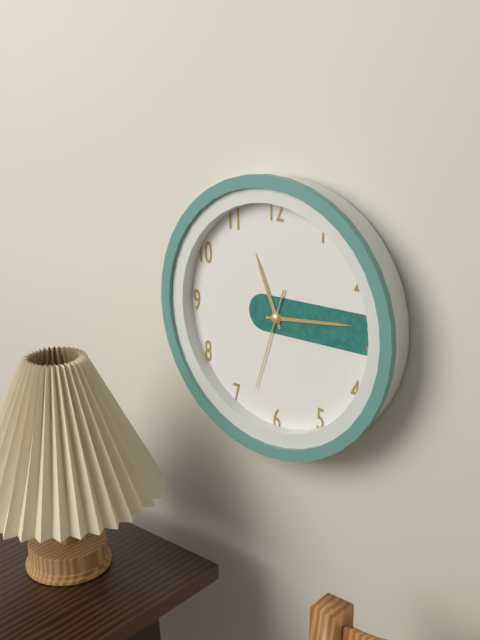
11,14,33
